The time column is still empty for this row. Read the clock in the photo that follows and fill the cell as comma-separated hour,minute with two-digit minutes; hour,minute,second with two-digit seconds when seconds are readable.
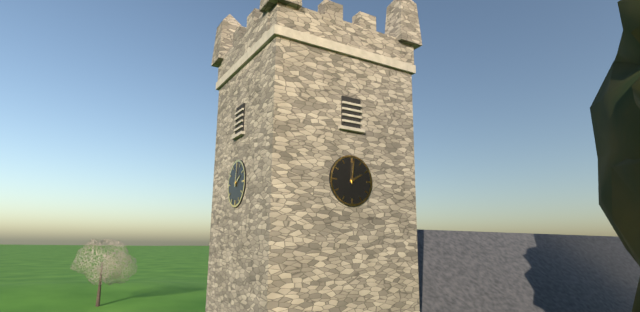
2,01
